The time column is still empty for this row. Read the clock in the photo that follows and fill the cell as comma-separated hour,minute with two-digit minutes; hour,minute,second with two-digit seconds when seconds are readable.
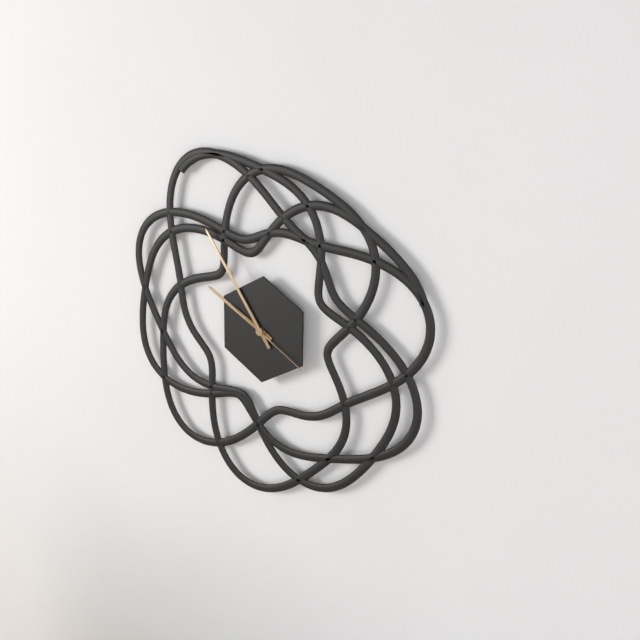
9,54,20
